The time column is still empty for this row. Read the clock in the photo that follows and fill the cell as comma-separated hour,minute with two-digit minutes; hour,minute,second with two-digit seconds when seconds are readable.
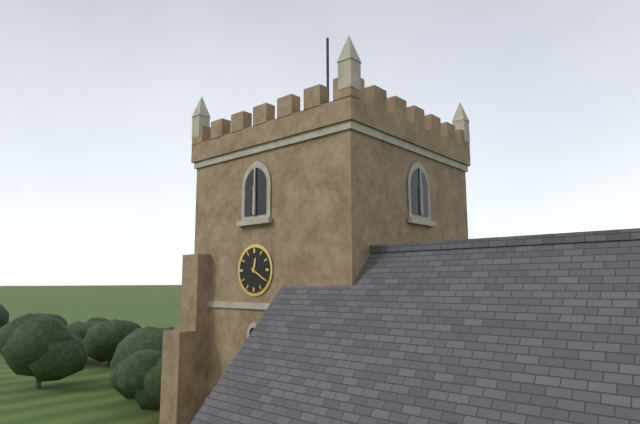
12,20
